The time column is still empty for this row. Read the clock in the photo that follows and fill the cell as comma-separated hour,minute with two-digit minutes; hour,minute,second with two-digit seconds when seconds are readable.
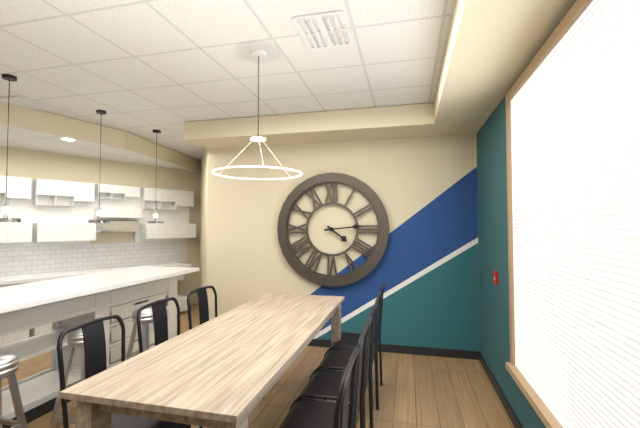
4,14
